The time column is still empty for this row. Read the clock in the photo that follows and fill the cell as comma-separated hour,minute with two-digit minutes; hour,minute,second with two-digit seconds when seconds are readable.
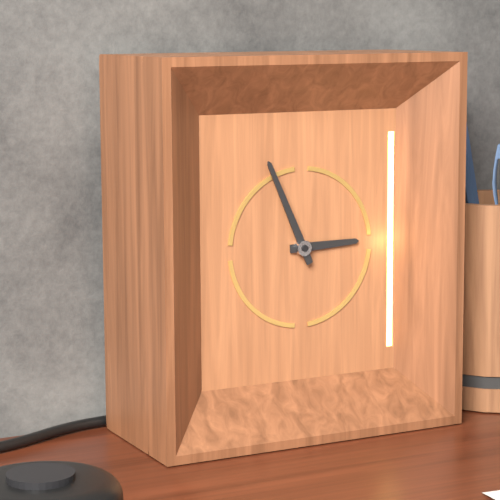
2,56
